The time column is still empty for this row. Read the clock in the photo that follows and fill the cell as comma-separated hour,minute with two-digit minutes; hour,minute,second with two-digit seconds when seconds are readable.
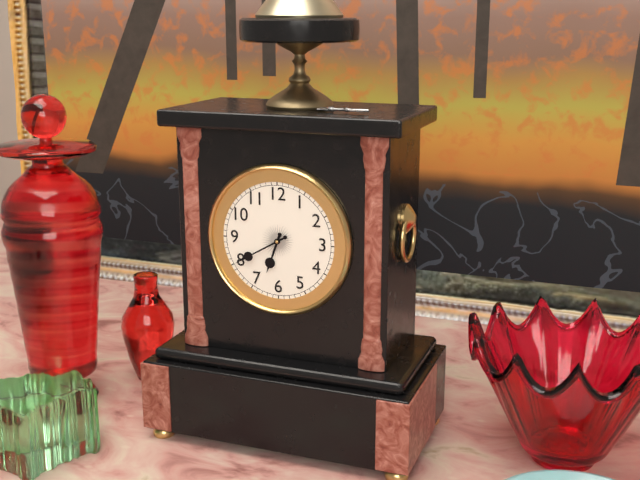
6,40
